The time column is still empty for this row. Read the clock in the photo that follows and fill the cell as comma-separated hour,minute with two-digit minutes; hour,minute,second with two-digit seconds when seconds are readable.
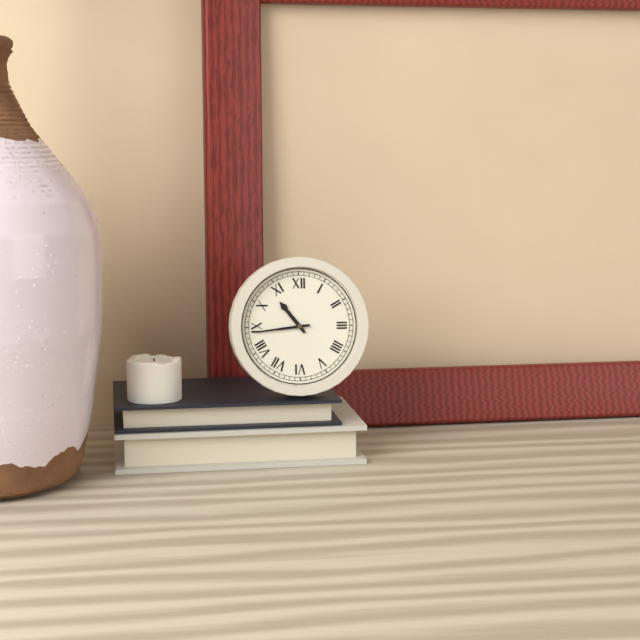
10,44
